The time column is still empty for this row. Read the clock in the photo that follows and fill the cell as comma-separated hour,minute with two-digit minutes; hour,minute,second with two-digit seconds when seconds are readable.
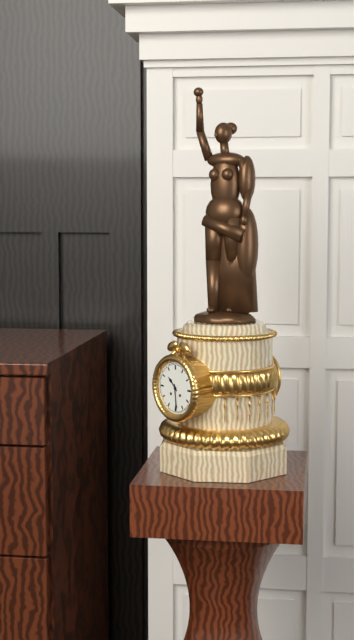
10,29
